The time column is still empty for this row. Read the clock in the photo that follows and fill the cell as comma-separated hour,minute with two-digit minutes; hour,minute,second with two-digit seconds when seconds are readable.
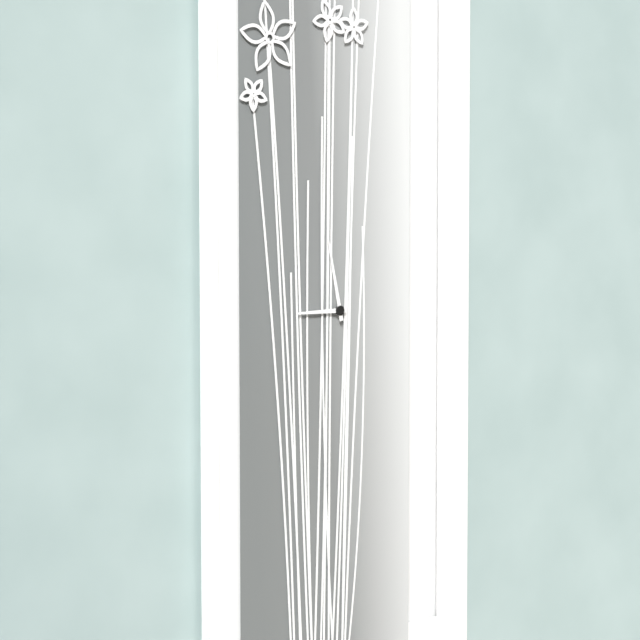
8,58
